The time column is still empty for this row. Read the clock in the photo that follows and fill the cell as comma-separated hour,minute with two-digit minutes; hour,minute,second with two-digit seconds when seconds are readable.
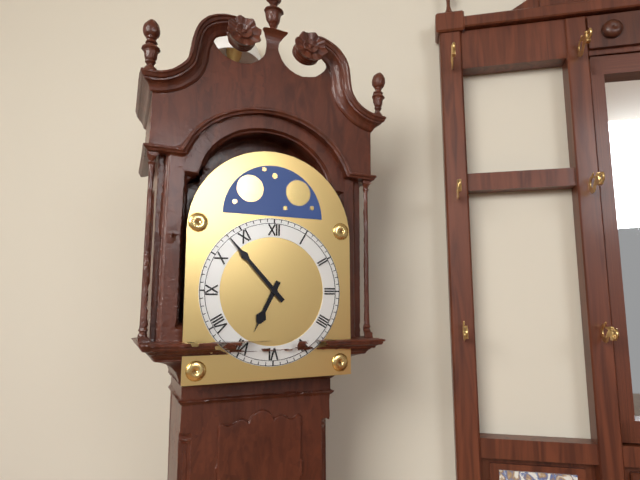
6,53
